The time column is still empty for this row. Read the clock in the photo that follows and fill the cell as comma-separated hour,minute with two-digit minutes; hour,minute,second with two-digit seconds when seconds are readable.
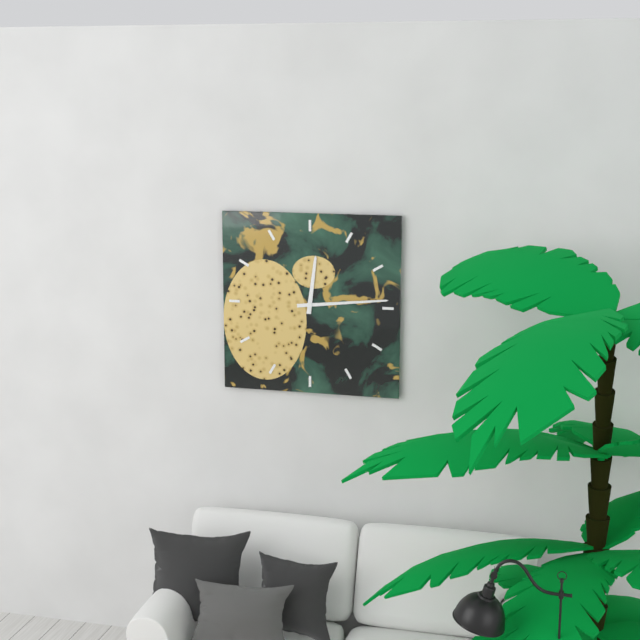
12,14
